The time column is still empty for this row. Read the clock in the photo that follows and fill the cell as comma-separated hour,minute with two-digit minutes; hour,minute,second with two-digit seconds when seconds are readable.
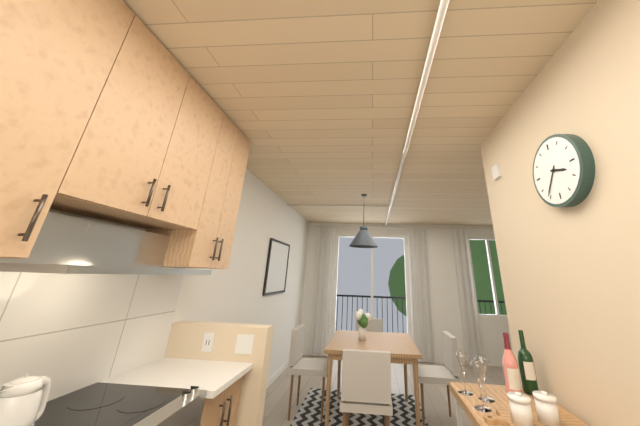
3,36
